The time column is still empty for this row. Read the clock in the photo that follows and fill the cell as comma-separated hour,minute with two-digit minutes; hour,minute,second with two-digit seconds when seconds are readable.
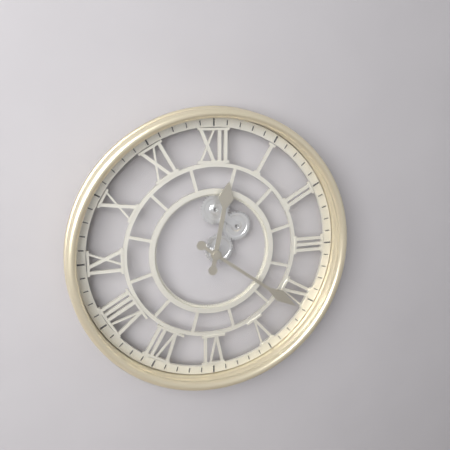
12,21
